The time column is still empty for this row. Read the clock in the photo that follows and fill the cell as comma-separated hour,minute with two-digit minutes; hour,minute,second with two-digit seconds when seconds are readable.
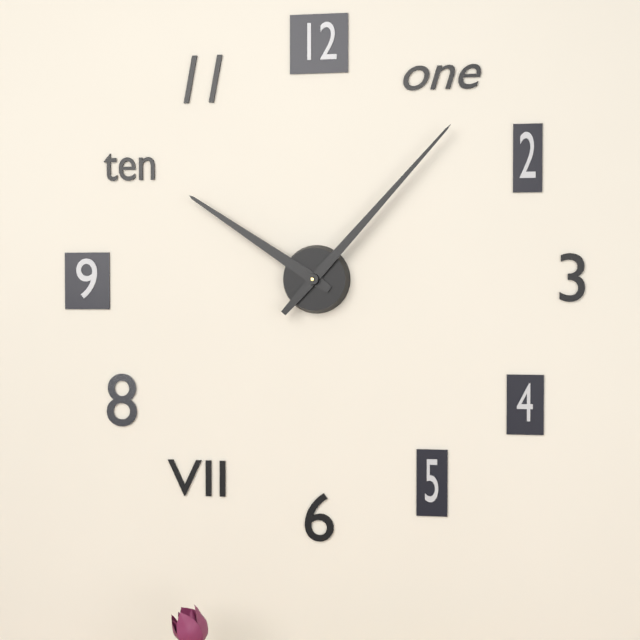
10,07
